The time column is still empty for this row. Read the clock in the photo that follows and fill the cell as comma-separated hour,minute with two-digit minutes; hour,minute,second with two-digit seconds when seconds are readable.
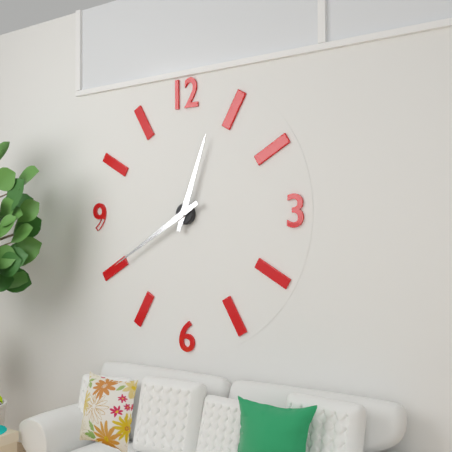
12,40
